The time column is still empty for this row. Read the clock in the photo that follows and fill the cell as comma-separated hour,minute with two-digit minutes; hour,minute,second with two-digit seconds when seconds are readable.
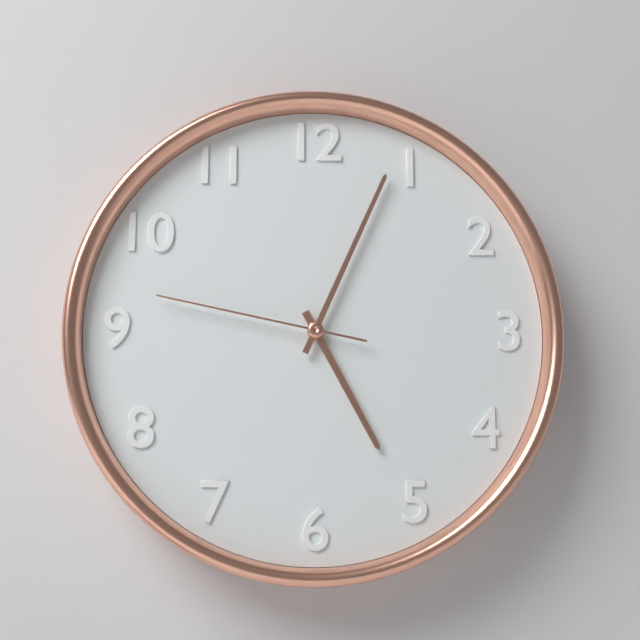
5,04,47
